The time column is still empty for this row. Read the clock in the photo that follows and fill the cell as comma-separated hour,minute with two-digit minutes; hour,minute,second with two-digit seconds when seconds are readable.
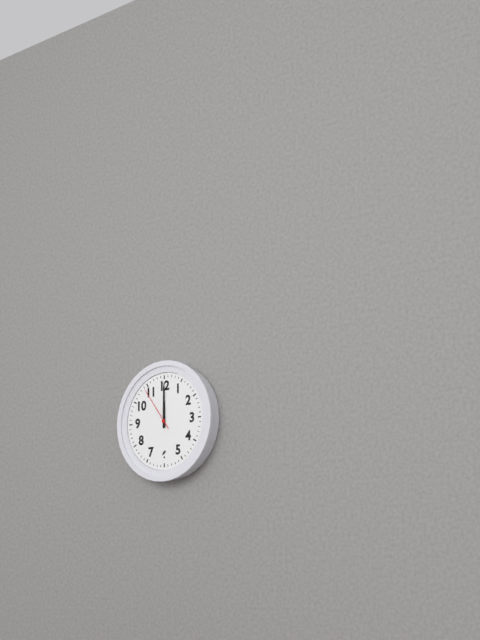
12,00
